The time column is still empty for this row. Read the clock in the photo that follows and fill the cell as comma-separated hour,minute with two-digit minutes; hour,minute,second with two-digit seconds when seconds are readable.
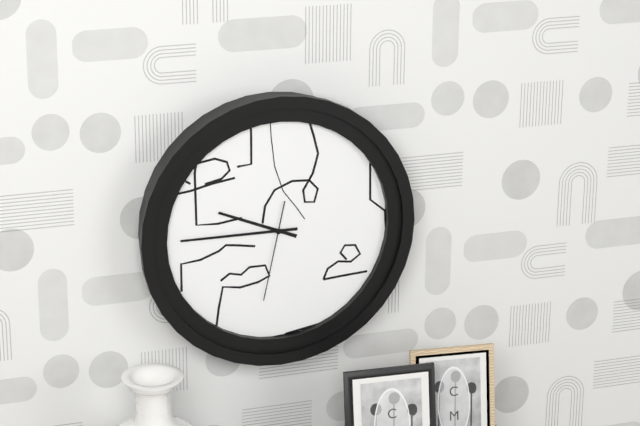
9,45,32
